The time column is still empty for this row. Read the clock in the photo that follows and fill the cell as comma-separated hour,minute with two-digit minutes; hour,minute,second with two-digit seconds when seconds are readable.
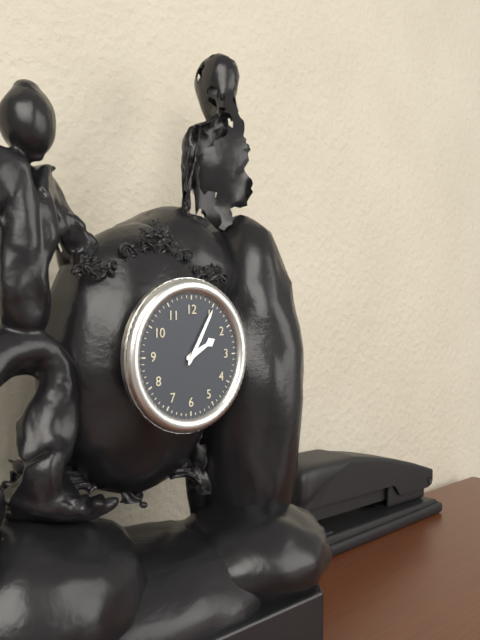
2,05
